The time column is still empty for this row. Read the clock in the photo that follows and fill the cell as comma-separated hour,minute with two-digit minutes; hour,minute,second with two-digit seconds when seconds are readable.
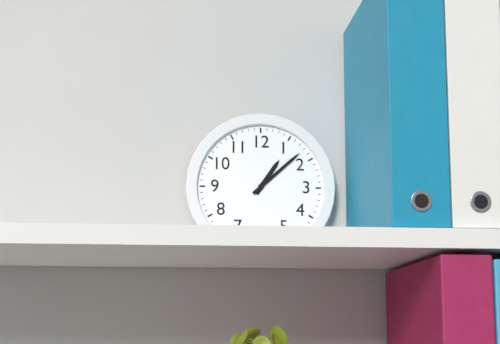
1,08
